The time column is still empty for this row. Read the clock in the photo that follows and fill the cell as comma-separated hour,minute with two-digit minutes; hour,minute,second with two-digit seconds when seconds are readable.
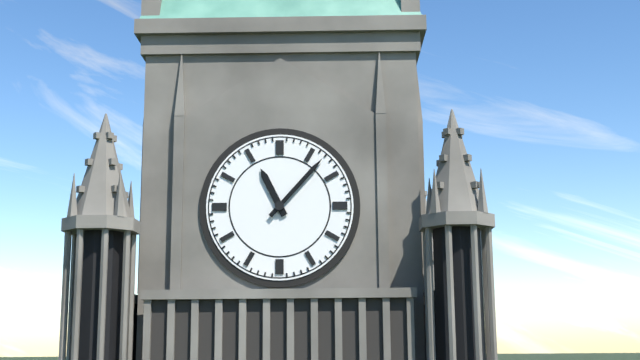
11,07
